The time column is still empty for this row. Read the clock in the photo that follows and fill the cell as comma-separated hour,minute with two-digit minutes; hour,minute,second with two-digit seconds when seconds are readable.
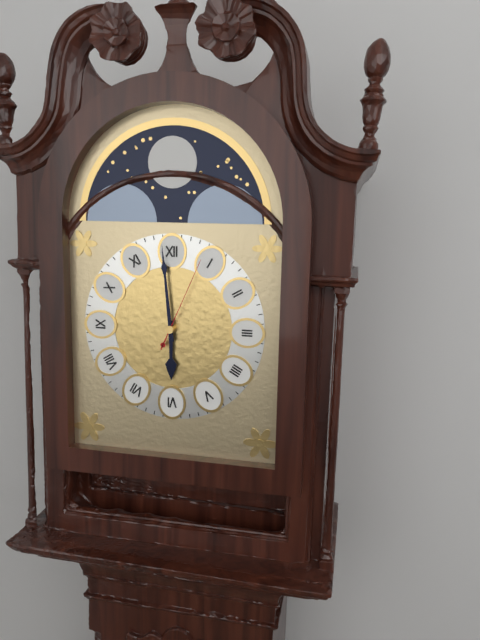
5,59,04
